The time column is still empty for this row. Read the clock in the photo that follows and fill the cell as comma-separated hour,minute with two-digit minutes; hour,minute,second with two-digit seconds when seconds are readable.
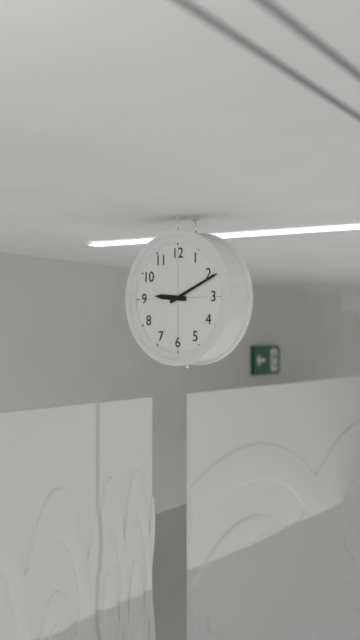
9,11
